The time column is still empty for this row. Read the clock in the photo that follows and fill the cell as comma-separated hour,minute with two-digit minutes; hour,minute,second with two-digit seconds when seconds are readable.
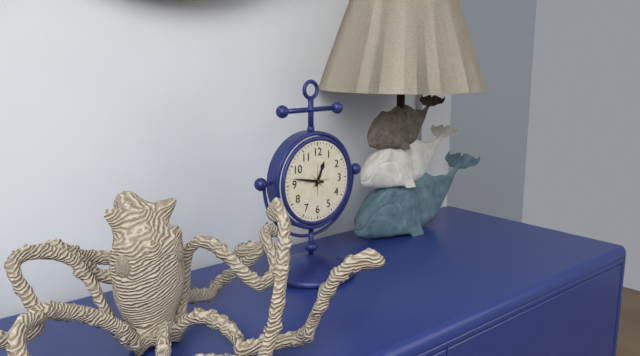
12,47
